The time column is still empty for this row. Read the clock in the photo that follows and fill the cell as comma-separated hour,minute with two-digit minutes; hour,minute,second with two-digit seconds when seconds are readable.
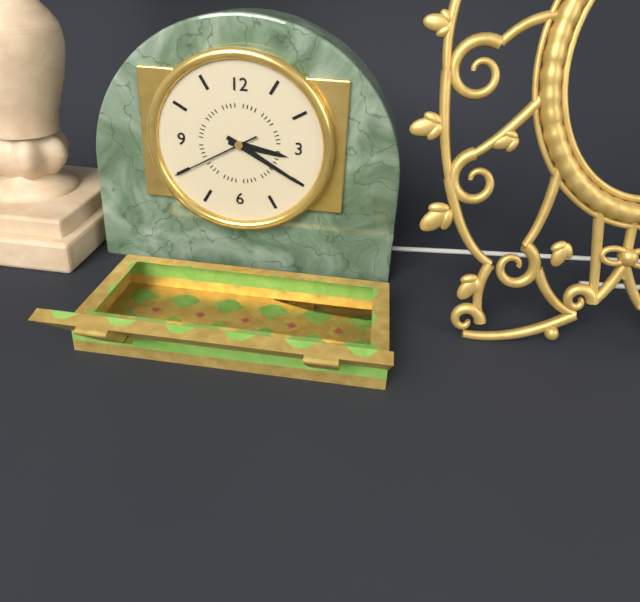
3,20,40
